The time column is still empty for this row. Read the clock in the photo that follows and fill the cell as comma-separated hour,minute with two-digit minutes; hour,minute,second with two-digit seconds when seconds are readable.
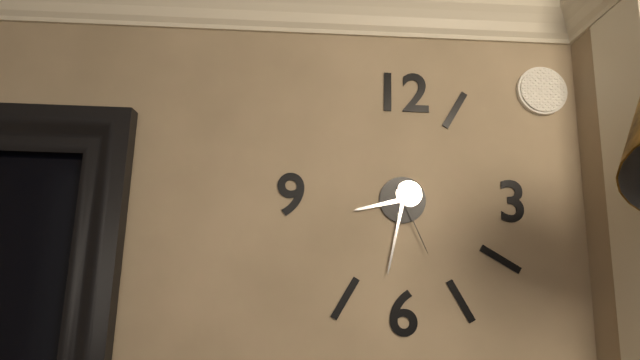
8,32,26
